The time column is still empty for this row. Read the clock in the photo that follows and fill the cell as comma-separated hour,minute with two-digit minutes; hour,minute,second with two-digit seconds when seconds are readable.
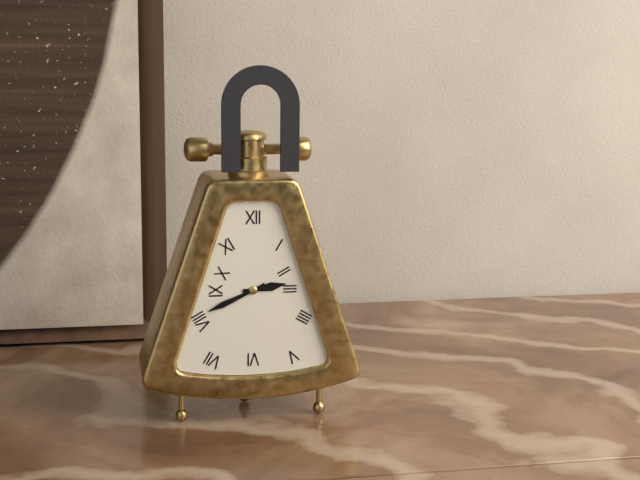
2,41
